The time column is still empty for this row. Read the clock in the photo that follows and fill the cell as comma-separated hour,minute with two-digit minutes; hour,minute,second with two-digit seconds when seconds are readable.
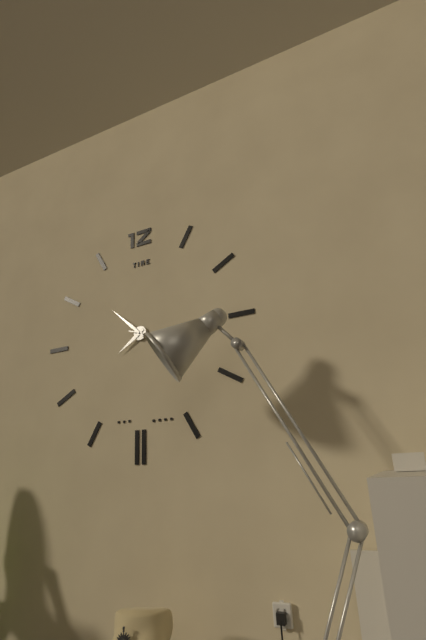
7,52
